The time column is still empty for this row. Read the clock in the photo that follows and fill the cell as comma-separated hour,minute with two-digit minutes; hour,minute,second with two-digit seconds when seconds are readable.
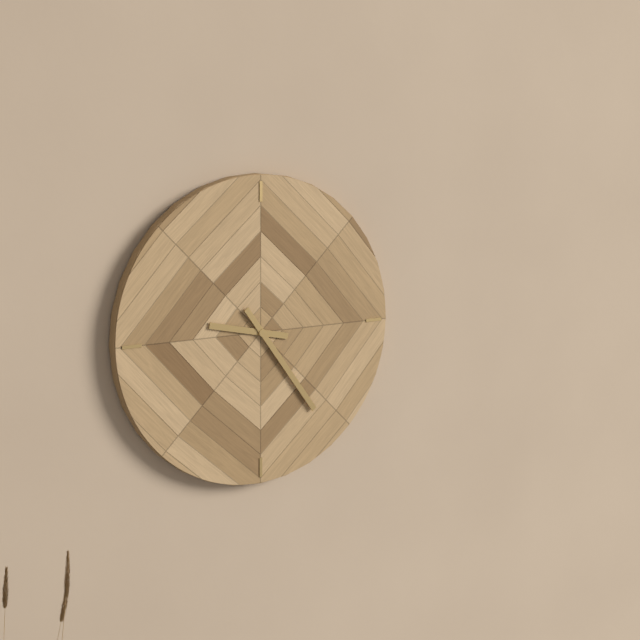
9,24
